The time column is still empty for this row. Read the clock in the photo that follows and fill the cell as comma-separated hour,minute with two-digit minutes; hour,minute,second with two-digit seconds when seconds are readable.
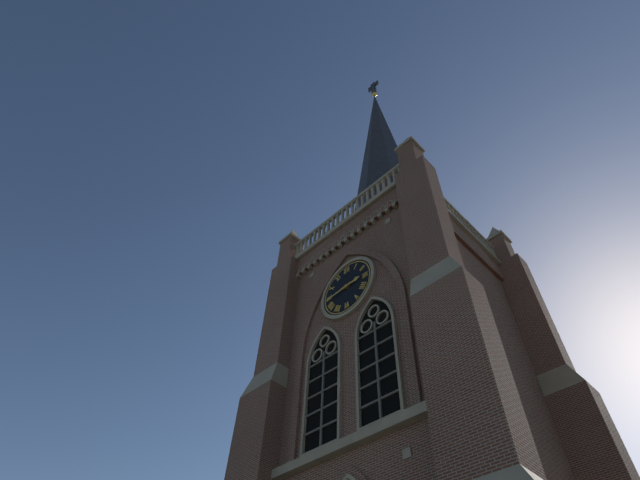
2,44
